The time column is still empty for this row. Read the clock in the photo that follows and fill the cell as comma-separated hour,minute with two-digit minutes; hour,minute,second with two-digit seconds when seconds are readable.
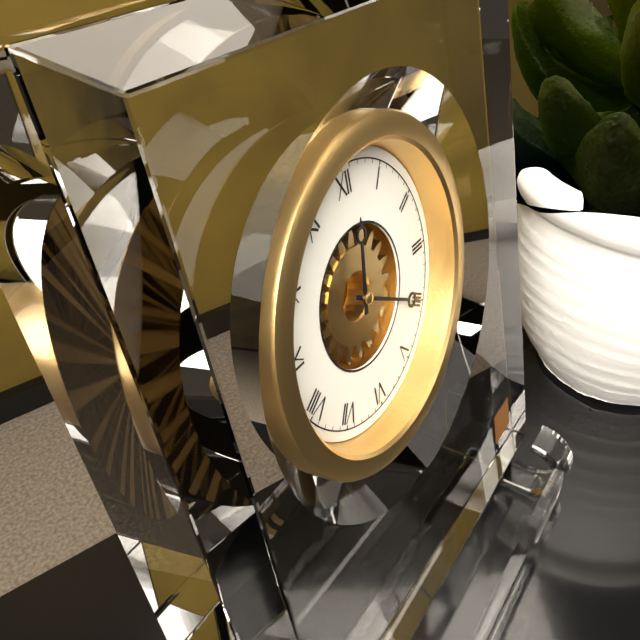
12,20
